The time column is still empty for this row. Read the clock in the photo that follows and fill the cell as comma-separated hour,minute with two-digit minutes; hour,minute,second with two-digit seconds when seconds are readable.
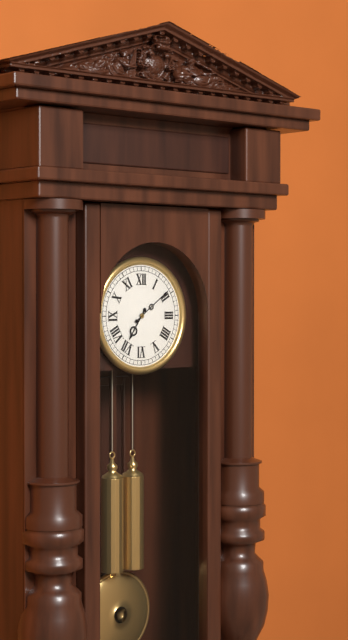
7,09
